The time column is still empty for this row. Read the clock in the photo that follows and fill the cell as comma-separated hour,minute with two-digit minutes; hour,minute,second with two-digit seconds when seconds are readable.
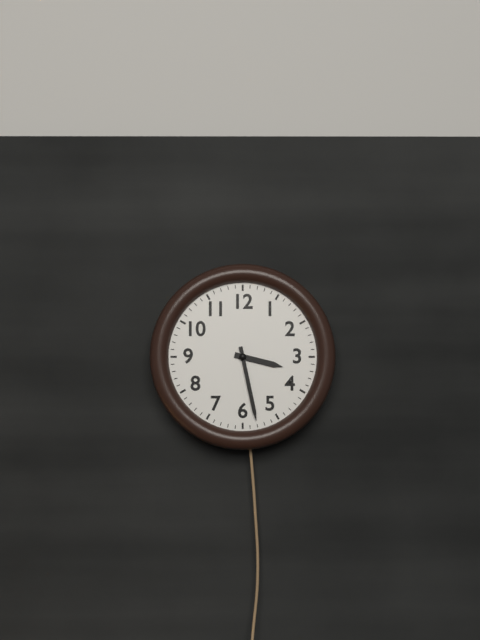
3,28
